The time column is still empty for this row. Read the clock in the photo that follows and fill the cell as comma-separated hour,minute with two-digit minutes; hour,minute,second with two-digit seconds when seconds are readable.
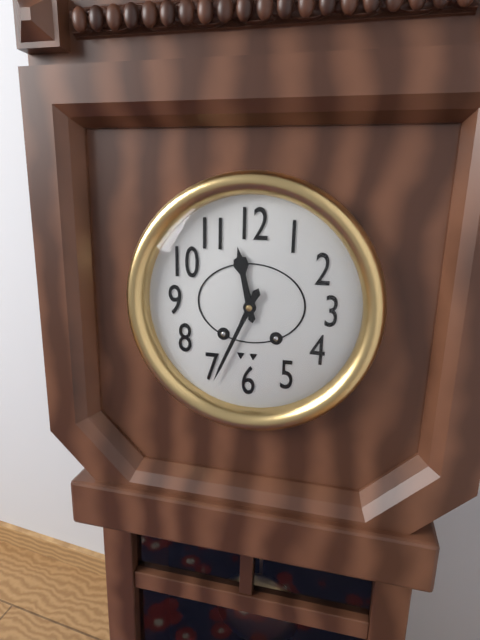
11,34
